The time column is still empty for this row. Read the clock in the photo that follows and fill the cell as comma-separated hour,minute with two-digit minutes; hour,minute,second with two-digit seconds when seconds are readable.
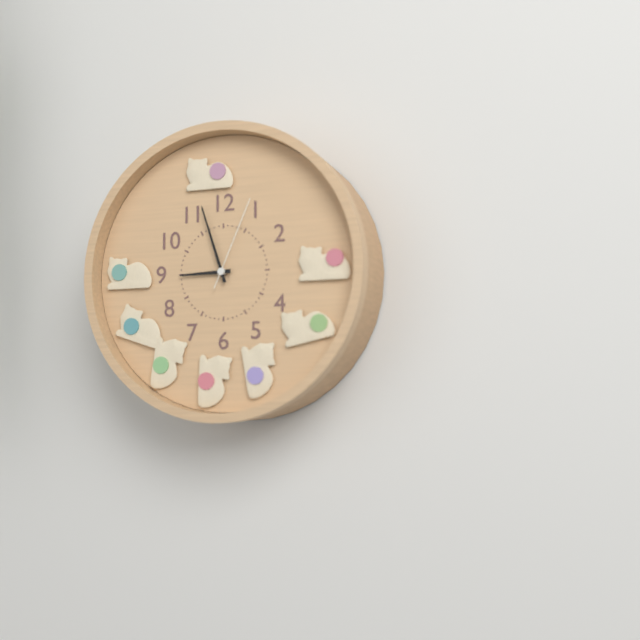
8,57,04
